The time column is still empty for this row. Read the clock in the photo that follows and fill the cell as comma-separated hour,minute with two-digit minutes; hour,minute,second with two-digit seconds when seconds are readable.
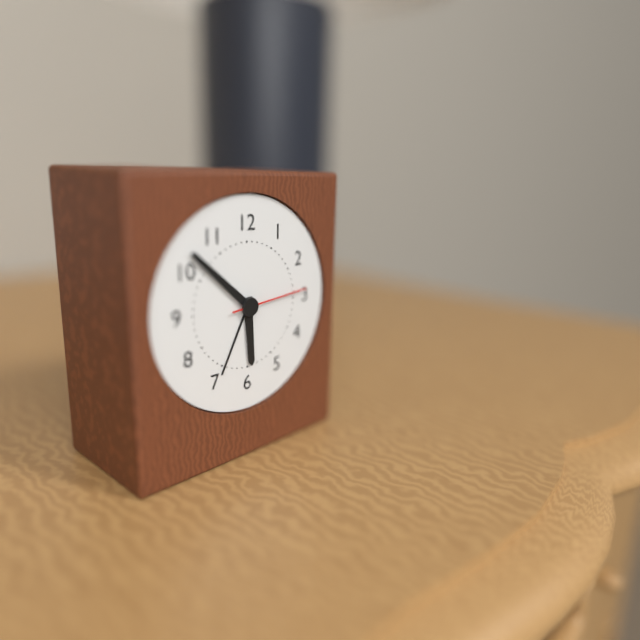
5,52,14
